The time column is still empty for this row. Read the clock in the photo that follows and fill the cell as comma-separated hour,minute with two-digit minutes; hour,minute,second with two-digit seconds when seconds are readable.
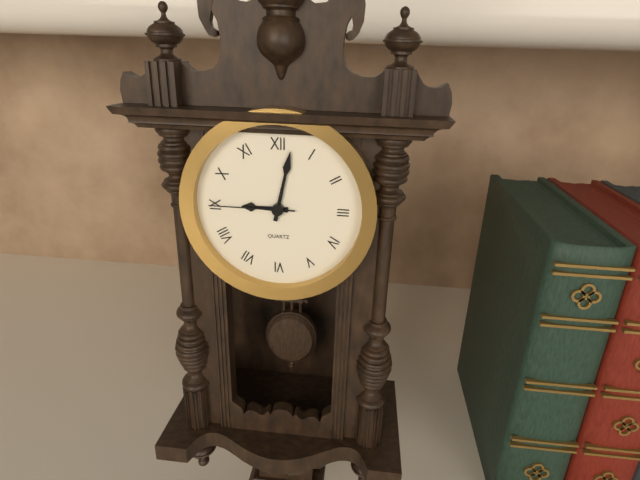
9,02,45
